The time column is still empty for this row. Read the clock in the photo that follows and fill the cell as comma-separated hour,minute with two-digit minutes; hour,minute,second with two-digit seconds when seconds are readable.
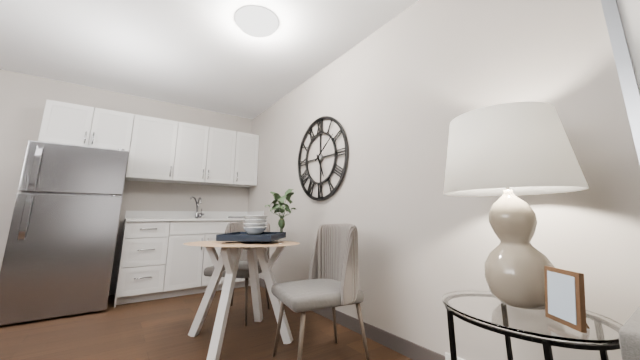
5,09
